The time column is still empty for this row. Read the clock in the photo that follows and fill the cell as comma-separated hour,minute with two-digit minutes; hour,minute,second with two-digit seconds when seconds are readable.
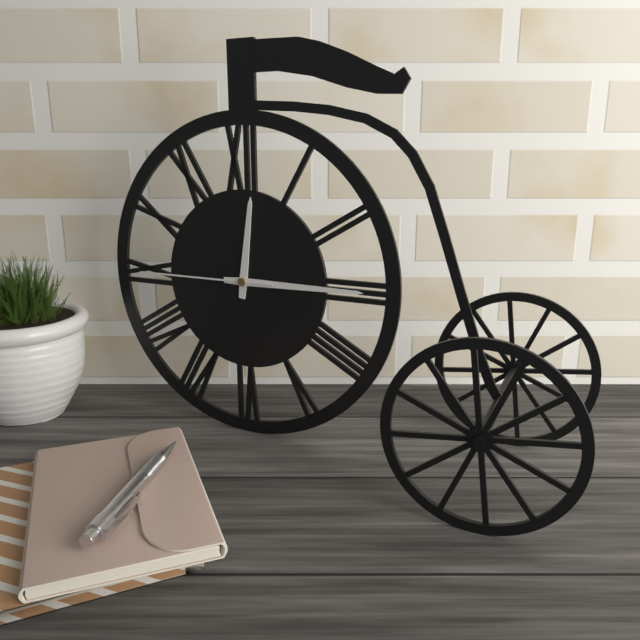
12,15,45
